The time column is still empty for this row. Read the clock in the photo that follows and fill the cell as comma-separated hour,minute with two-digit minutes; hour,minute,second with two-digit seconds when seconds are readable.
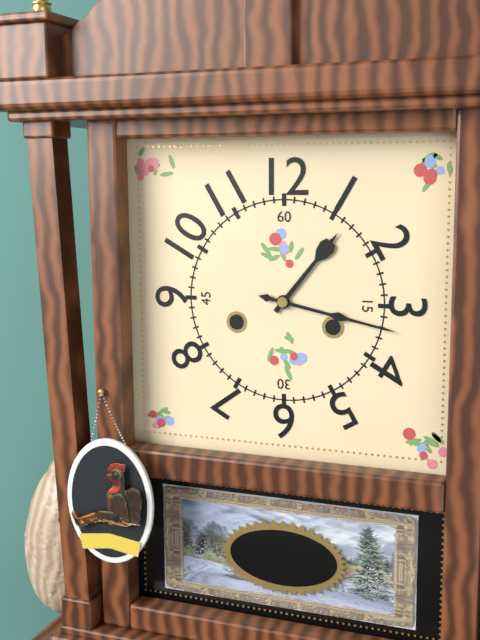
1,17
